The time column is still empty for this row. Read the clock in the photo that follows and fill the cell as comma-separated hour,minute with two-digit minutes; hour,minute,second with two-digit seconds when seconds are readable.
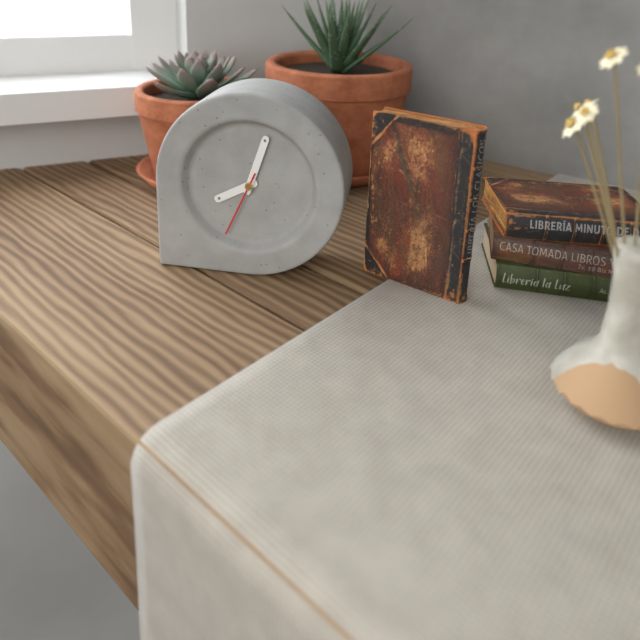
8,03,34
